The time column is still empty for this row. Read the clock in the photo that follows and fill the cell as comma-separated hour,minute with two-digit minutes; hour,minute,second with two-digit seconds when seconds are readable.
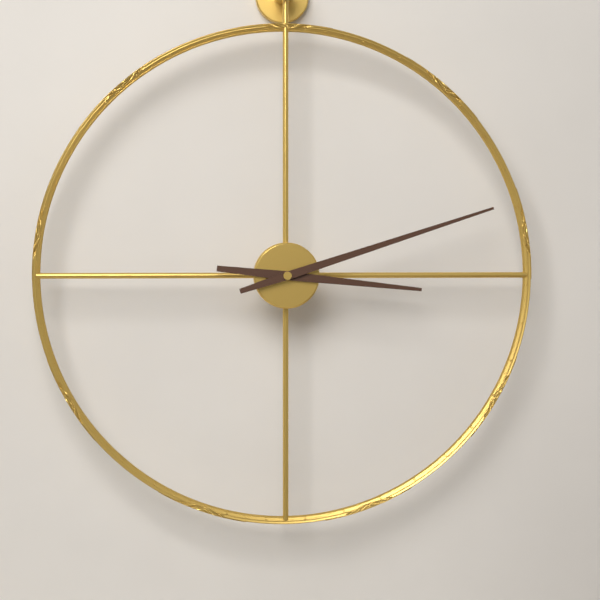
3,12
